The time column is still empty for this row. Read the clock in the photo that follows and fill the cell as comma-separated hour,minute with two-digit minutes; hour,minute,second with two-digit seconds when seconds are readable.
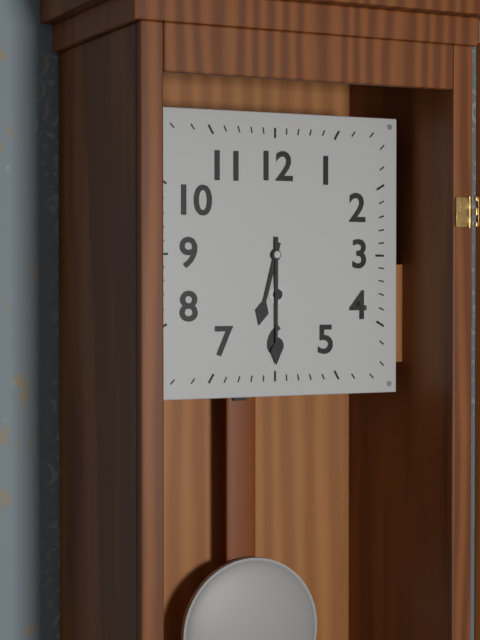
6,30
